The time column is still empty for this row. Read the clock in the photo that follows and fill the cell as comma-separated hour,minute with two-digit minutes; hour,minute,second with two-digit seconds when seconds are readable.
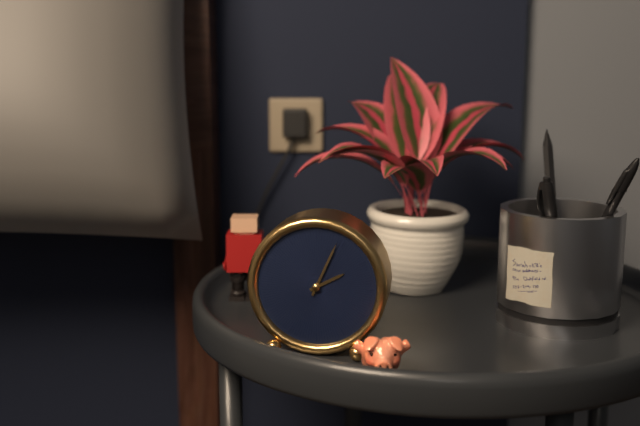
2,04
